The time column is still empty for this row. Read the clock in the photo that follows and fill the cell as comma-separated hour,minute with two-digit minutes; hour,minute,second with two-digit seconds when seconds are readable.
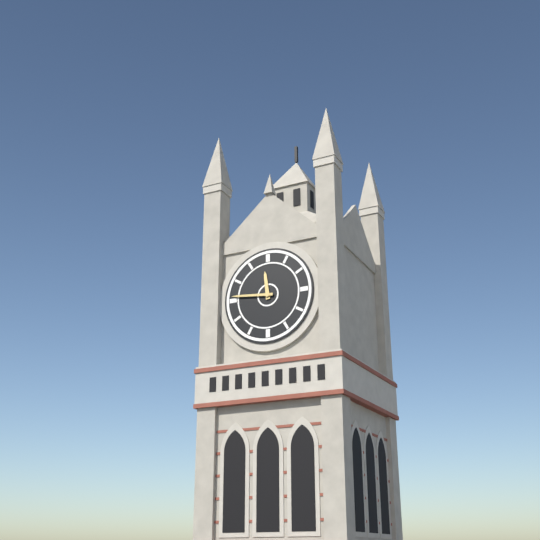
11,46
